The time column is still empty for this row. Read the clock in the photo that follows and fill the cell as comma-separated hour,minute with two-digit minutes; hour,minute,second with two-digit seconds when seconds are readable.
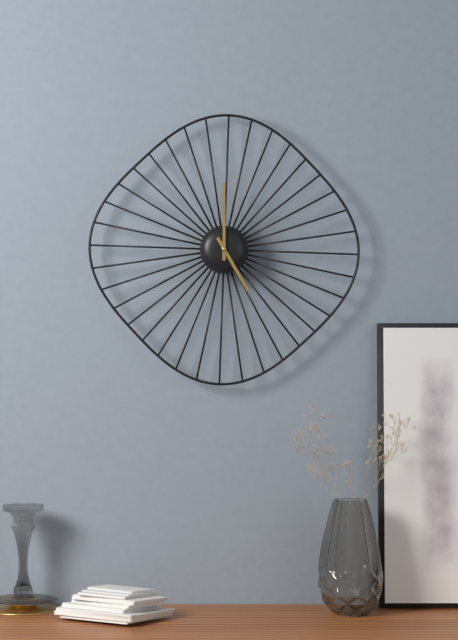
5,00
